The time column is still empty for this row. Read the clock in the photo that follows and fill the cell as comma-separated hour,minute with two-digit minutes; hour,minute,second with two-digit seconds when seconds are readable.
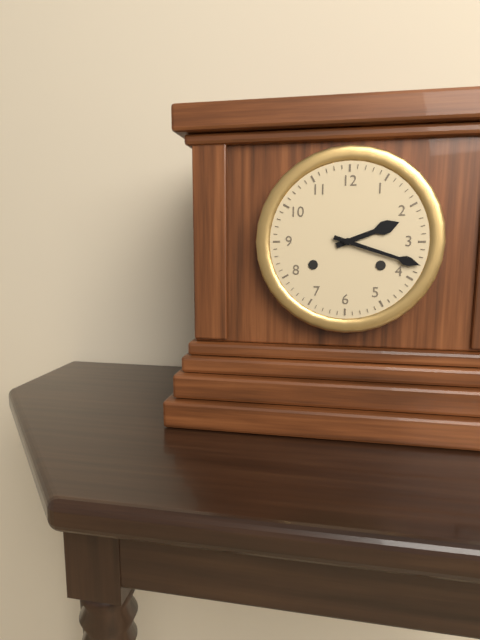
2,18
